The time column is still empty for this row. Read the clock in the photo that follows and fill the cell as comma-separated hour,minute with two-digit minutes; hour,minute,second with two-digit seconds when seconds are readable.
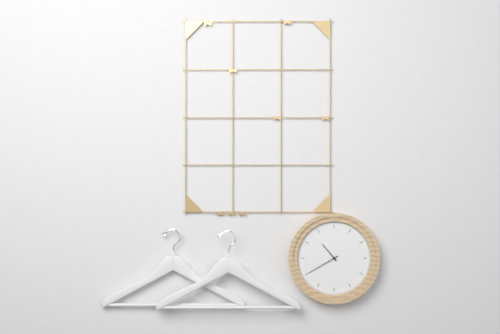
10,40
